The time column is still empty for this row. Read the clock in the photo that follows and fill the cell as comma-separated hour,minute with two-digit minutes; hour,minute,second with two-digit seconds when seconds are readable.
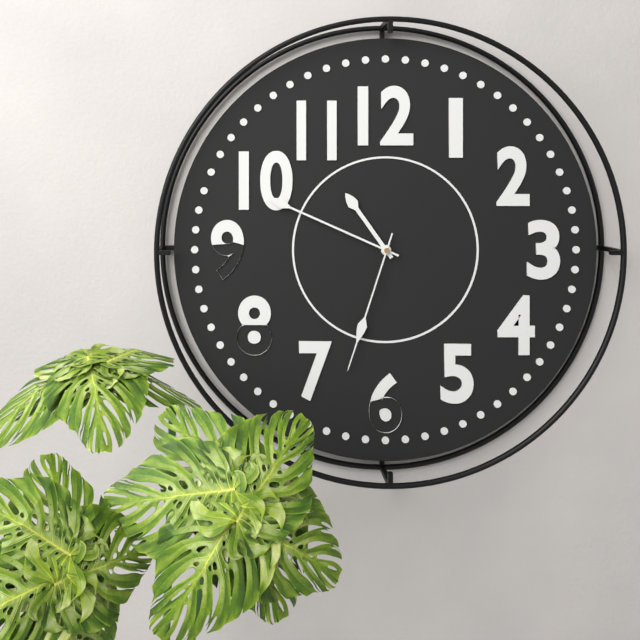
10,49,33
